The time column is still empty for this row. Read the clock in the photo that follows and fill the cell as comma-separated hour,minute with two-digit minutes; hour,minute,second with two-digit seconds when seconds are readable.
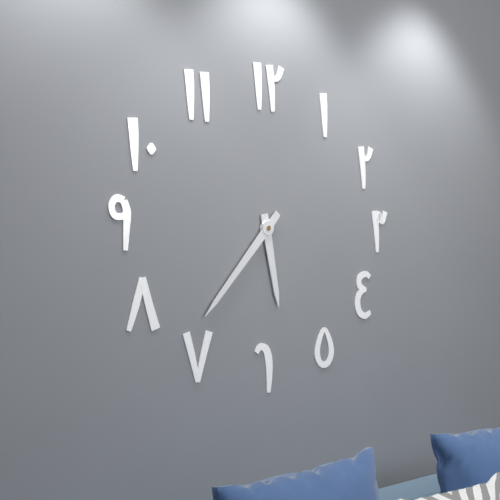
5,37
